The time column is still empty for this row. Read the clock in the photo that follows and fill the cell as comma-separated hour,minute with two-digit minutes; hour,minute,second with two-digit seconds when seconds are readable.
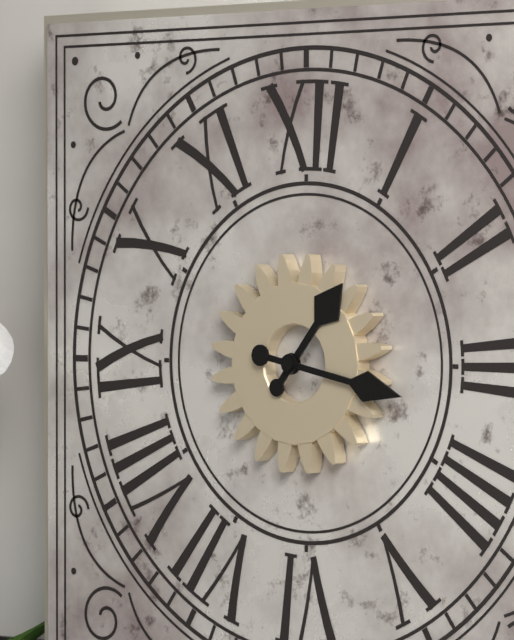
1,17
